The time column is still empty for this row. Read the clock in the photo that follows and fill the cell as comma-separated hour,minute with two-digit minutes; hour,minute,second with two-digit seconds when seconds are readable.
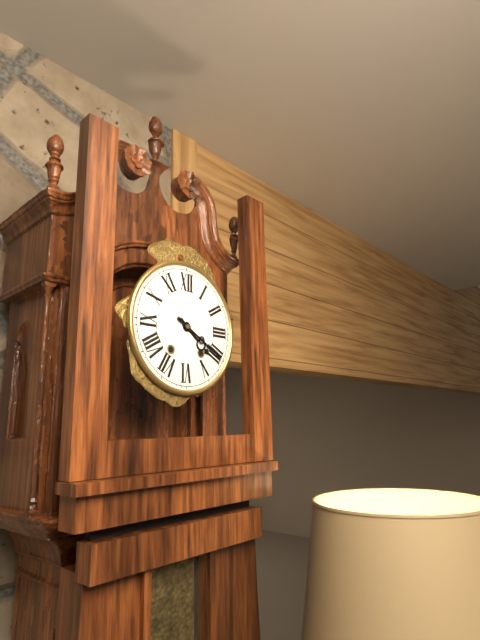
4,20
